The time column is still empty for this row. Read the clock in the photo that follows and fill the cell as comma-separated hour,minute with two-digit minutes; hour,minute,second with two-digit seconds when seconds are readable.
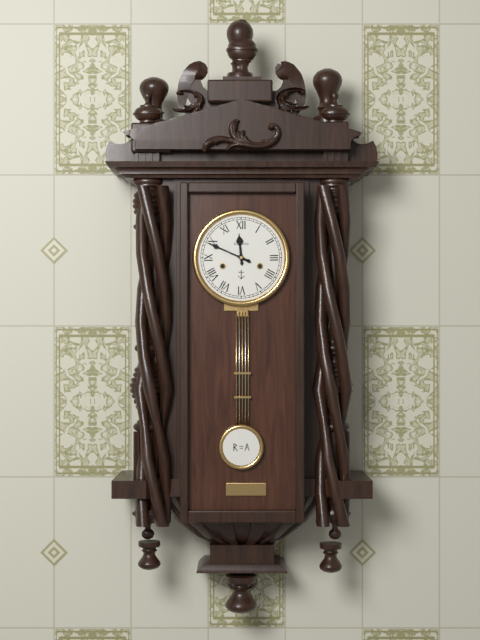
11,49
